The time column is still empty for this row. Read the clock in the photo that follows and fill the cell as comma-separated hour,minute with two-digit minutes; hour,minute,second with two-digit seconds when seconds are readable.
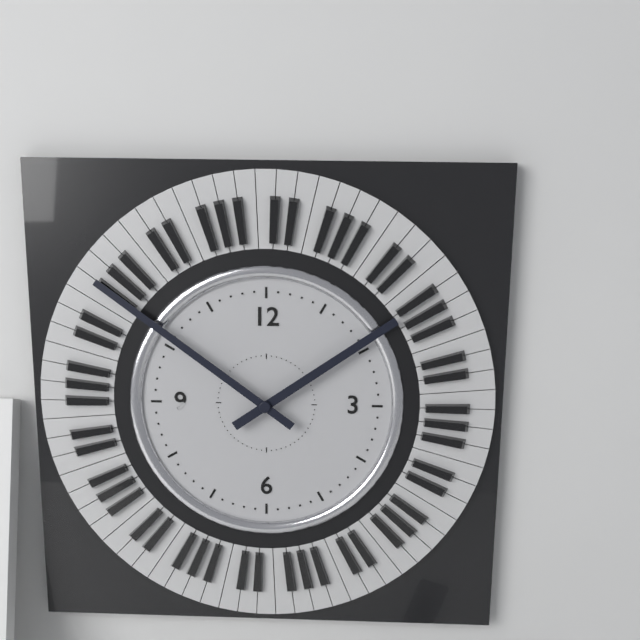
1,51
